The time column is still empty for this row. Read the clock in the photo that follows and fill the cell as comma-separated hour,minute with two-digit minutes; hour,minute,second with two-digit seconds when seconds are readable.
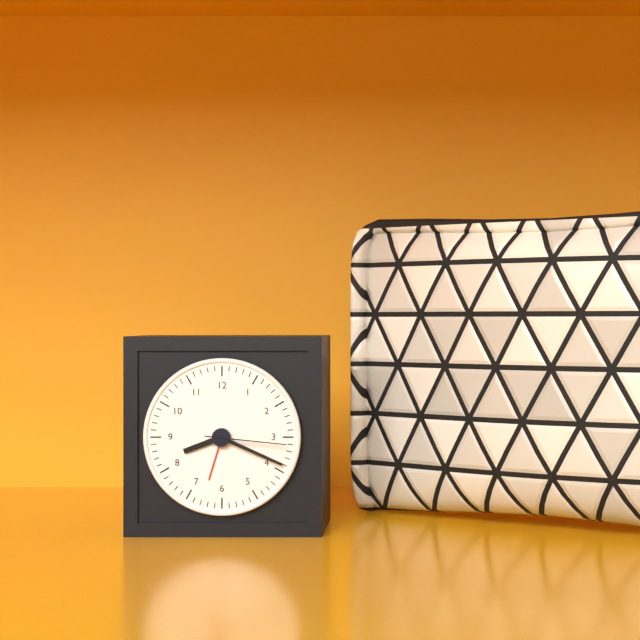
8,19,16
